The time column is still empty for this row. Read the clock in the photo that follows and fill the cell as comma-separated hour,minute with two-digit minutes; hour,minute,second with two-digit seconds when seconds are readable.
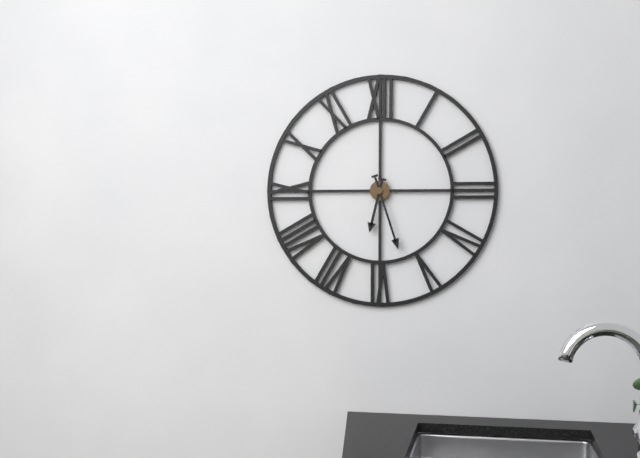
6,27
